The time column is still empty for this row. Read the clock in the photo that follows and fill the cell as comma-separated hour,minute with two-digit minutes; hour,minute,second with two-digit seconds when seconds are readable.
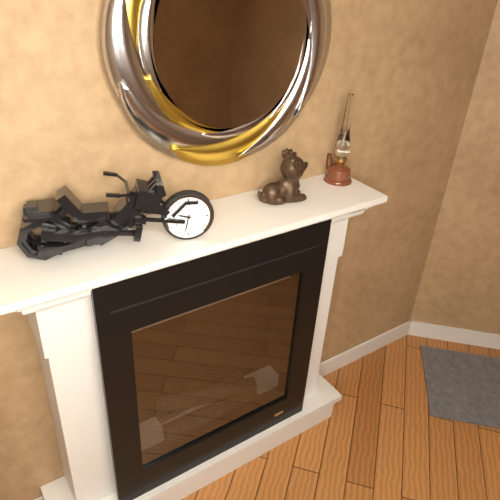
9,32
